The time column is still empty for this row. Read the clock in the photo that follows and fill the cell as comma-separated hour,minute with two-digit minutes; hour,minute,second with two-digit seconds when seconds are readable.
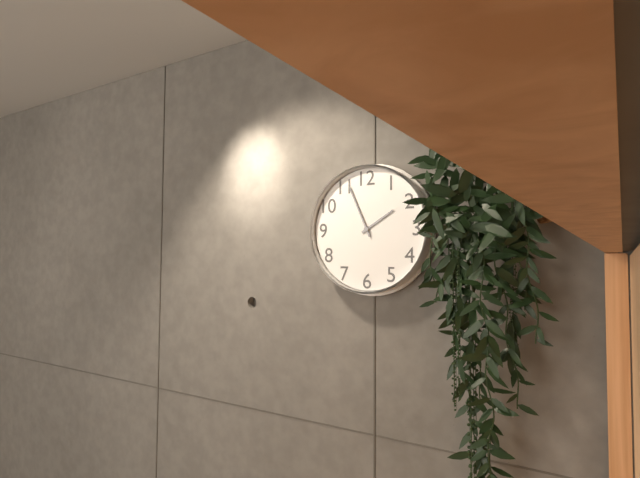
1,56
